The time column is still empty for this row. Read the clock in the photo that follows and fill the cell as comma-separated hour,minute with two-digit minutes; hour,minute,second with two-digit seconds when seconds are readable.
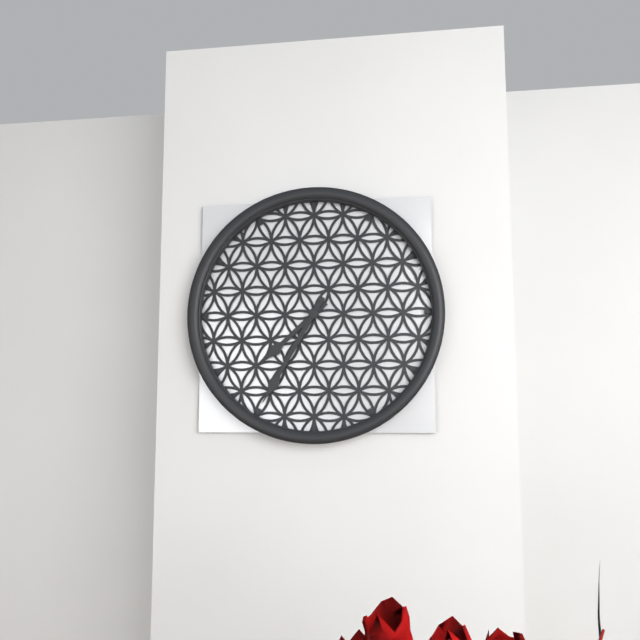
7,35
